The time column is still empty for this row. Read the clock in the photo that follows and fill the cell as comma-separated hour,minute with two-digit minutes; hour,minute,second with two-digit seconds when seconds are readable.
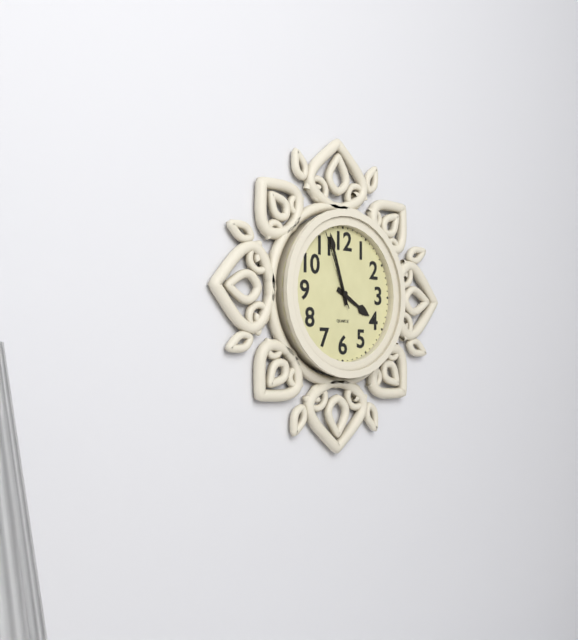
3,57,56
